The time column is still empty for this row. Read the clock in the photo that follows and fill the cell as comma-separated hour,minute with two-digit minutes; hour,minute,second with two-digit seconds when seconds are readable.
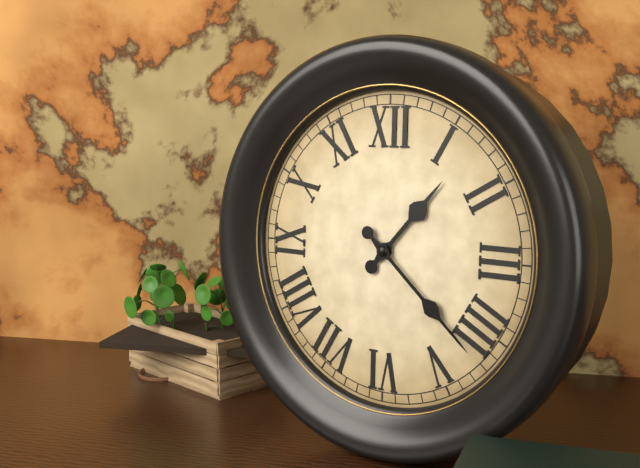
1,22
